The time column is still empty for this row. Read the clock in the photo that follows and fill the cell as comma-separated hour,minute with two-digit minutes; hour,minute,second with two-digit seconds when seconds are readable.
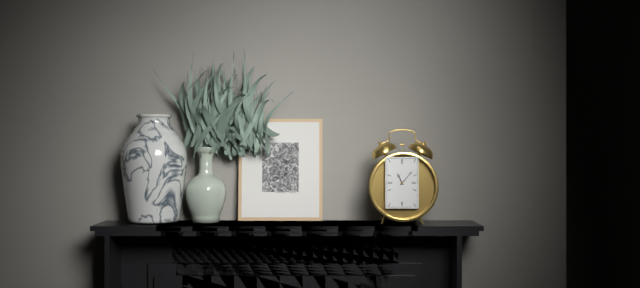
11,07
